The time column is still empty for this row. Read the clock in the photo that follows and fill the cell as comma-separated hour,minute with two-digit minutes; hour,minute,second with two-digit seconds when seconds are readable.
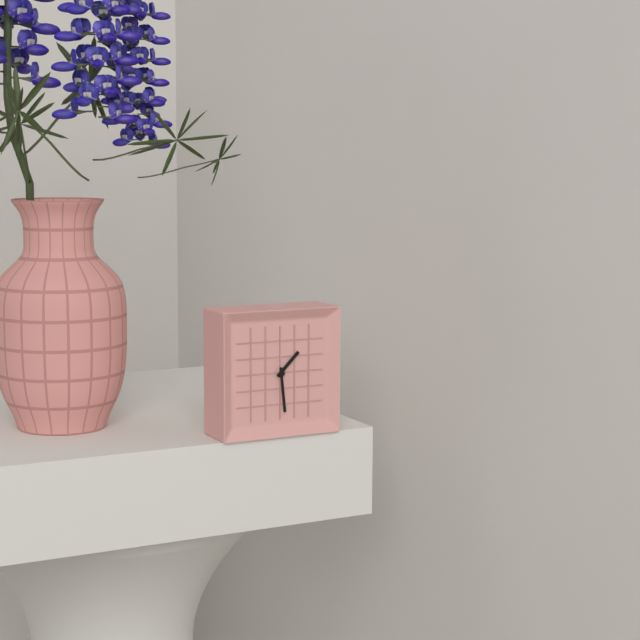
1,29
